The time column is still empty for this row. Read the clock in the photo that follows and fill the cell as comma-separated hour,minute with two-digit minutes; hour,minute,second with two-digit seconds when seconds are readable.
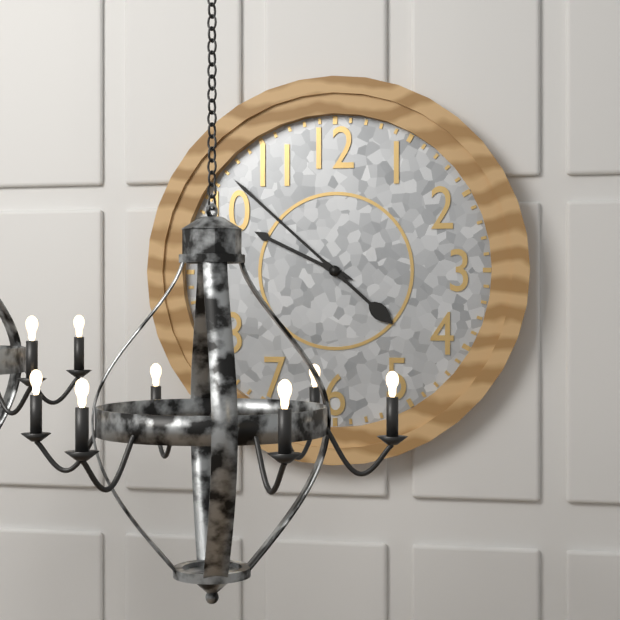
9,52
